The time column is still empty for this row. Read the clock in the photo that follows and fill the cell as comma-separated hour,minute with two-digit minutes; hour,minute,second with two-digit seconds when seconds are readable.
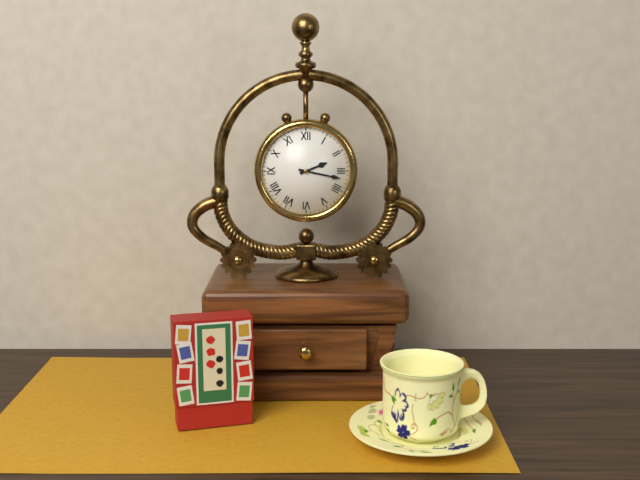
2,17
